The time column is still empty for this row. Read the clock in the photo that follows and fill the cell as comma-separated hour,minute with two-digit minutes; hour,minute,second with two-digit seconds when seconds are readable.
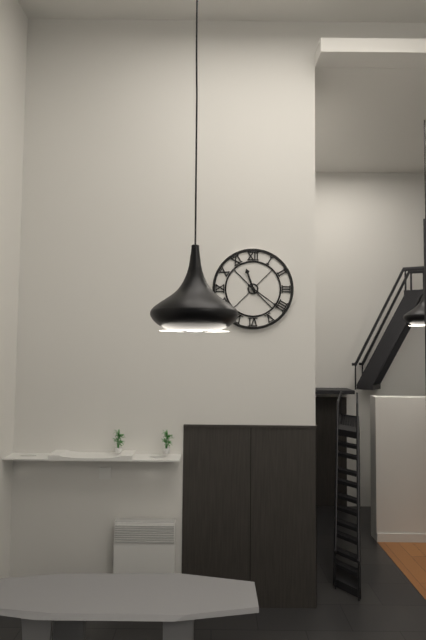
11,21
